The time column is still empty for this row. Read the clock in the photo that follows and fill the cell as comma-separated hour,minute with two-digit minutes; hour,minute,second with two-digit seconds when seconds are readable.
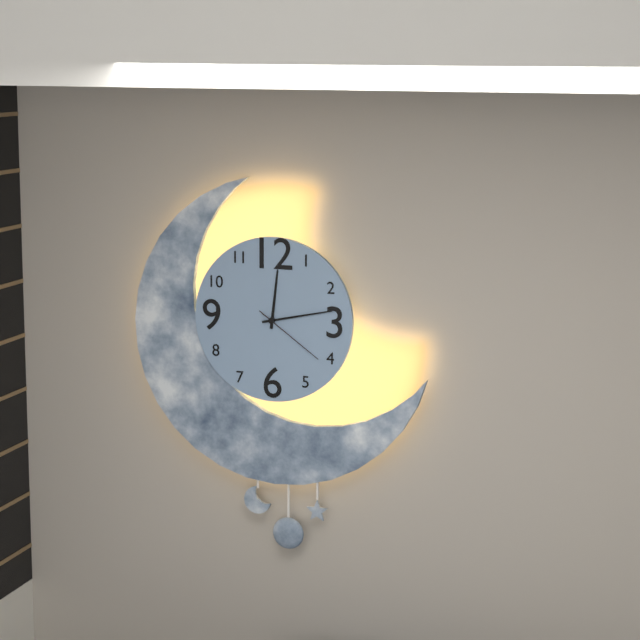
12,13,21
